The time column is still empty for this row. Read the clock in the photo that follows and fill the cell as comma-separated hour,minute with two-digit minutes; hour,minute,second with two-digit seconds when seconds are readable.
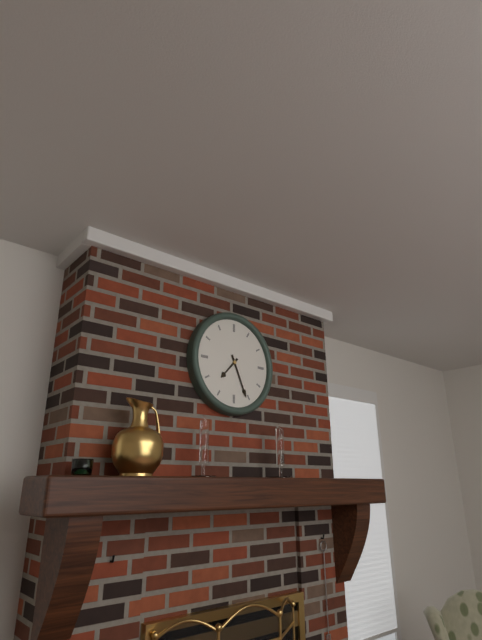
7,26
